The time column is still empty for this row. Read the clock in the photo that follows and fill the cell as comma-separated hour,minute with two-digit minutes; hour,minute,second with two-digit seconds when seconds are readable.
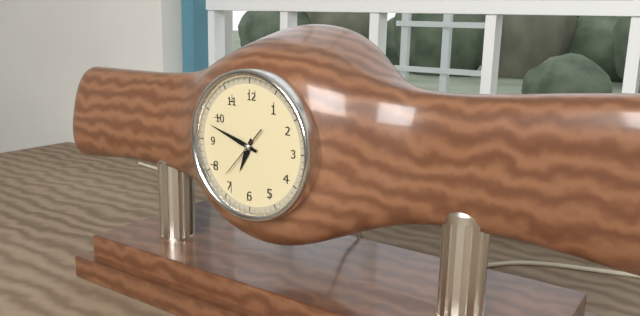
6,48
